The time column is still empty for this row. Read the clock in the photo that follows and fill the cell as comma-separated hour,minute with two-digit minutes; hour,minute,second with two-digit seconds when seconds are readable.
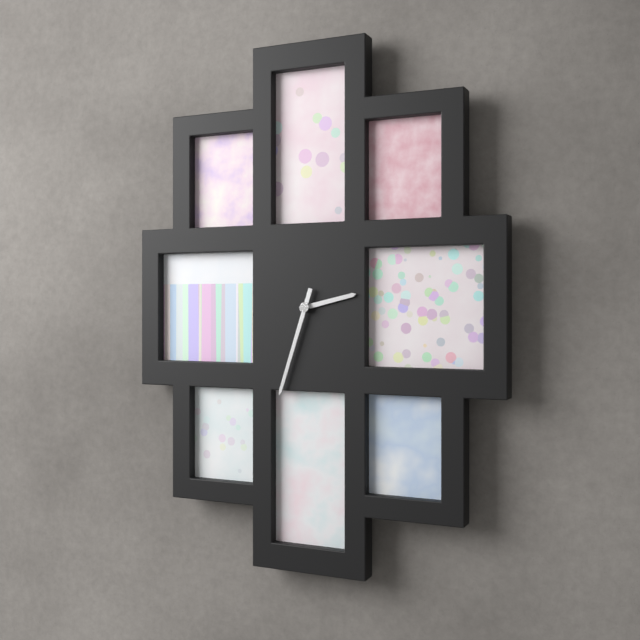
2,33
